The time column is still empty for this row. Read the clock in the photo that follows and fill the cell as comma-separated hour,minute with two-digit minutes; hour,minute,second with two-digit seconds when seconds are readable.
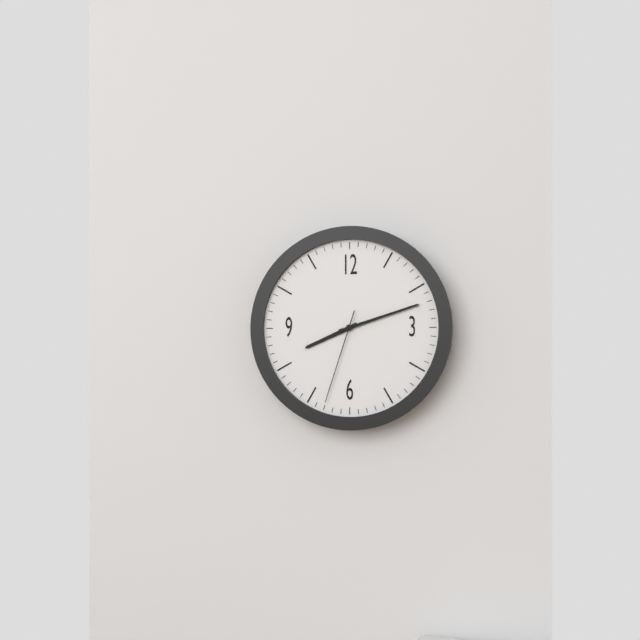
8,12,33
